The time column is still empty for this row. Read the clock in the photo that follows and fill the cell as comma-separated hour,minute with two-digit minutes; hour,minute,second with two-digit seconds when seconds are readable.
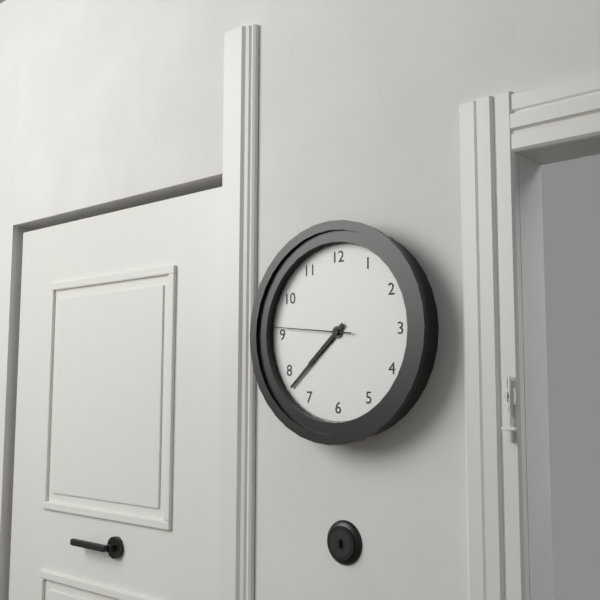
7,38,46
